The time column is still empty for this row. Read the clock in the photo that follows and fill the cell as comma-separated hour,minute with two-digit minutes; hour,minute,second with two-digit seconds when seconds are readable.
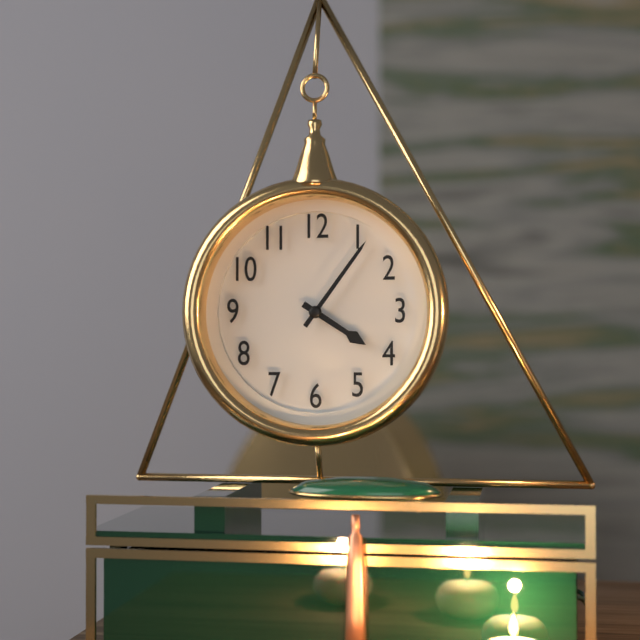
4,06
